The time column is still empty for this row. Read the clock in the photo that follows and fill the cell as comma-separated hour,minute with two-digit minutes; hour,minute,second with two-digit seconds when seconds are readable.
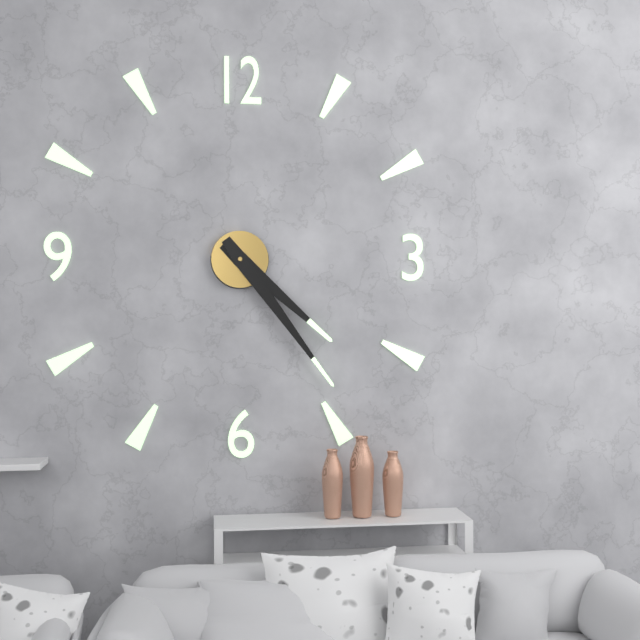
4,24
